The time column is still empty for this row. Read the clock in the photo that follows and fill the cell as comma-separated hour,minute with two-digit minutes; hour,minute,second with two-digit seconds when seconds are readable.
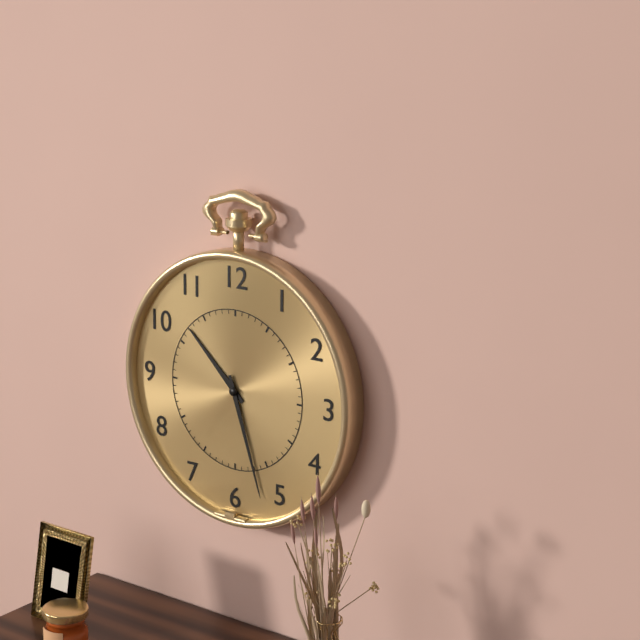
10,27
